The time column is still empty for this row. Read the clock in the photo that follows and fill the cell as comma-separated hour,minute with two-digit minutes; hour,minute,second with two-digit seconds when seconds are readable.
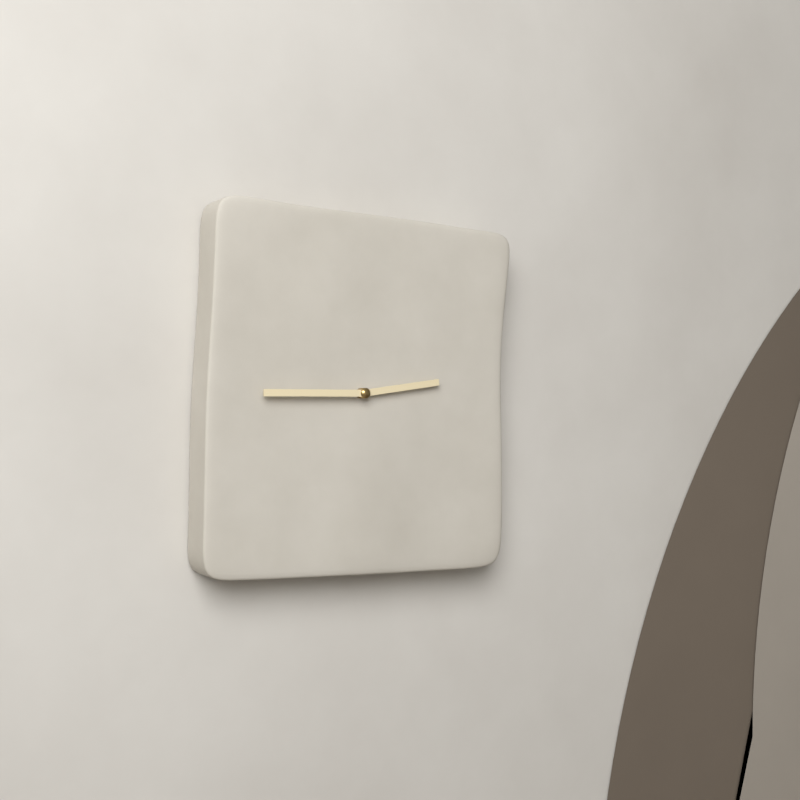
2,45
